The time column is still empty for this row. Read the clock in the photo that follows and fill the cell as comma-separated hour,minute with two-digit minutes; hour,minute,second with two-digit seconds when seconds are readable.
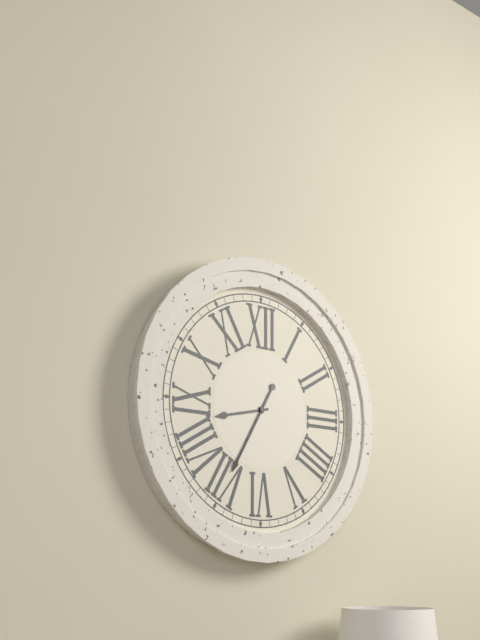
8,35
